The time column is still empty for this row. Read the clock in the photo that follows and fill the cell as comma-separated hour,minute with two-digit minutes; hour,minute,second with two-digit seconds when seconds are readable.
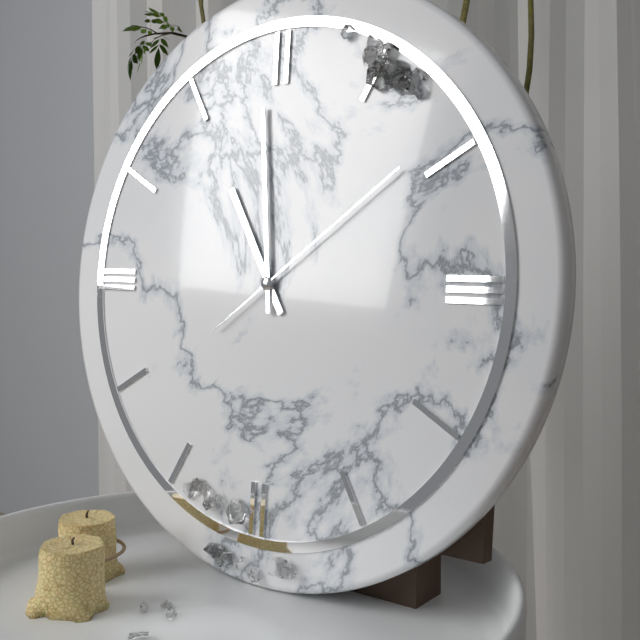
10,59,09
